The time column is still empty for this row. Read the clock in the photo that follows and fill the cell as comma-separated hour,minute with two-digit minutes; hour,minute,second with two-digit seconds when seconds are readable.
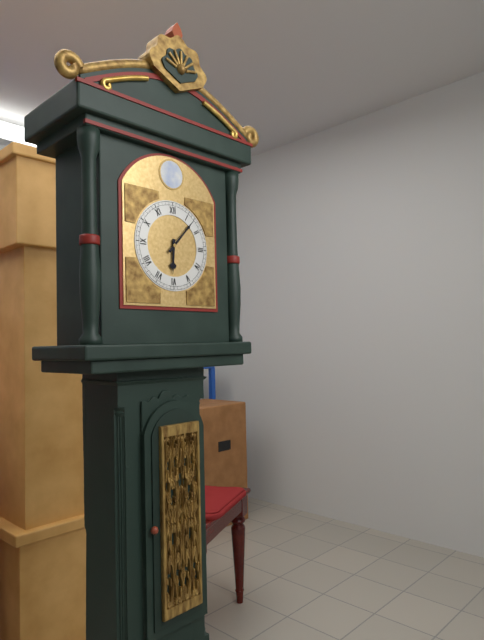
6,07
